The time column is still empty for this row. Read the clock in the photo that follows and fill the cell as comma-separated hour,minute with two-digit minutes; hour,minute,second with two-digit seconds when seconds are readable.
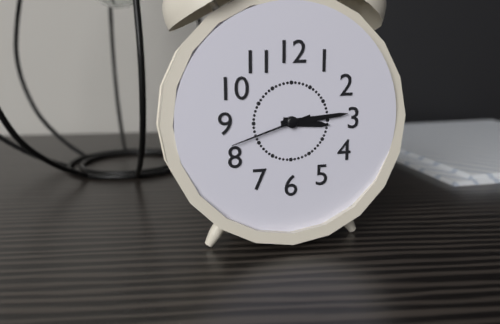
3,14,42
